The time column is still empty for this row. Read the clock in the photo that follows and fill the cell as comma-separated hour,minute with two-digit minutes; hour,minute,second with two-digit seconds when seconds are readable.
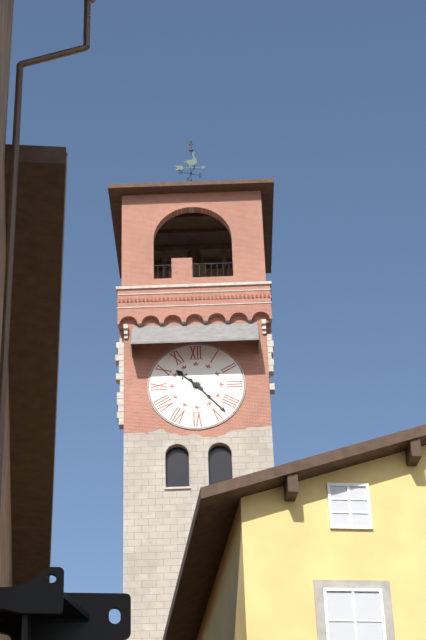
10,23
